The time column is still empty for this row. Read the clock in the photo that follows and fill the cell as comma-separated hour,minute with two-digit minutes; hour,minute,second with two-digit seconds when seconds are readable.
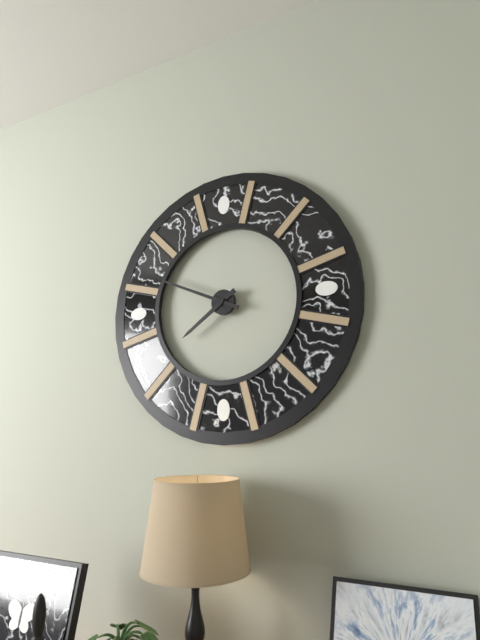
7,49
